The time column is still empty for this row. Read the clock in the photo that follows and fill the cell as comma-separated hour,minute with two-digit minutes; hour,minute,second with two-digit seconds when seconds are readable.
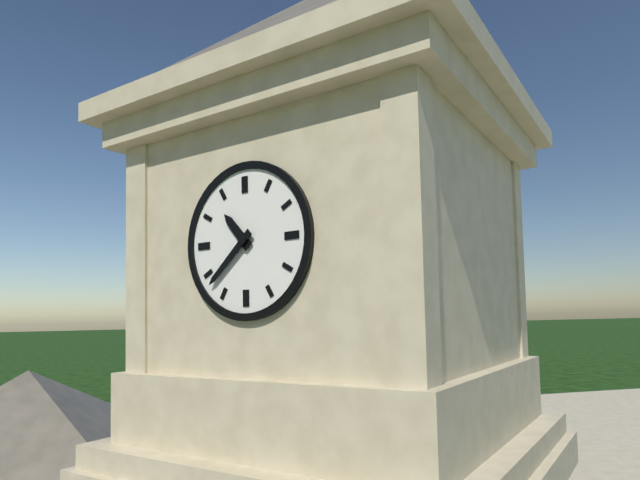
10,38
